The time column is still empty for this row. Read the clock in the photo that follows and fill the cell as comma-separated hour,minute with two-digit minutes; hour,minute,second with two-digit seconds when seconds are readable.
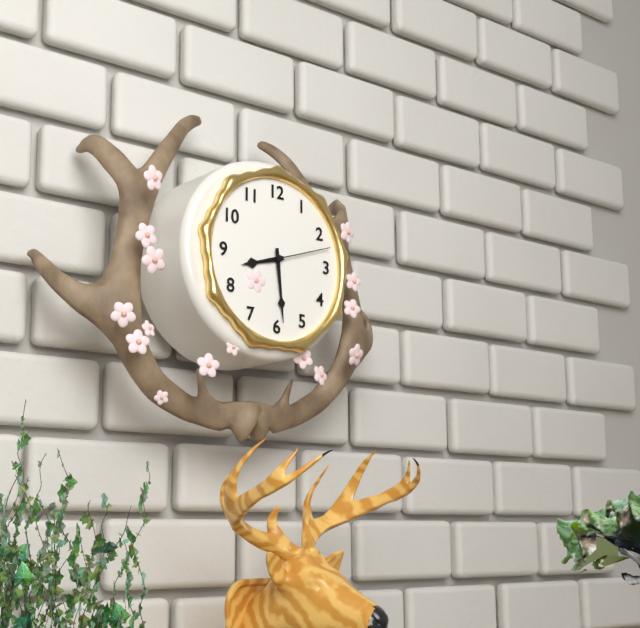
8,29,12
